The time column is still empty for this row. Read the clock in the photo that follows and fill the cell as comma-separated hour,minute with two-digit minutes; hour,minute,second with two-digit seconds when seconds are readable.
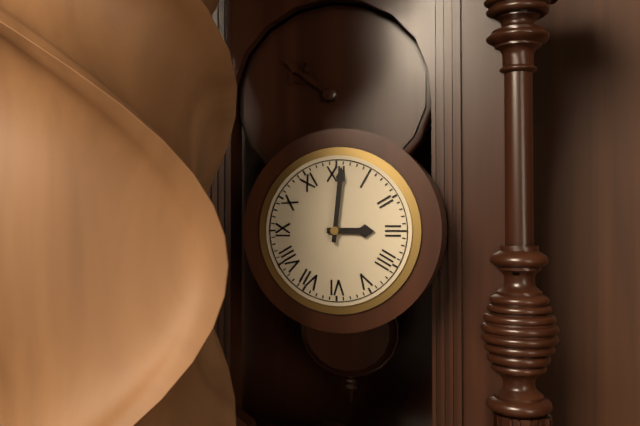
3,01
